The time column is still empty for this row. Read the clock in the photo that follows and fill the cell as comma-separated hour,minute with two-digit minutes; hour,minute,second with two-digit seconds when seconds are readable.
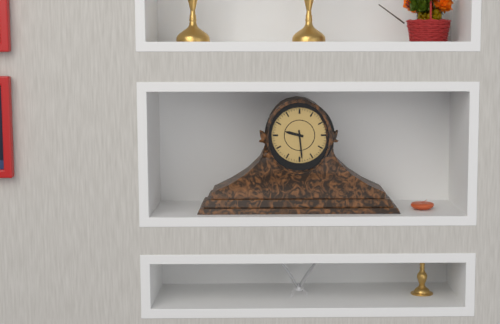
9,29
